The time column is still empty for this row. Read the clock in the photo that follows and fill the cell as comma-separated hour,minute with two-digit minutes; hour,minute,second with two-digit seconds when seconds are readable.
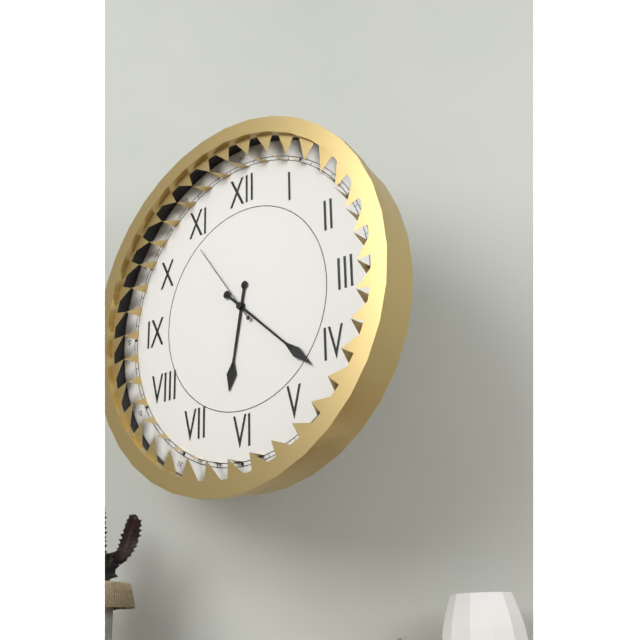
6,22,54
